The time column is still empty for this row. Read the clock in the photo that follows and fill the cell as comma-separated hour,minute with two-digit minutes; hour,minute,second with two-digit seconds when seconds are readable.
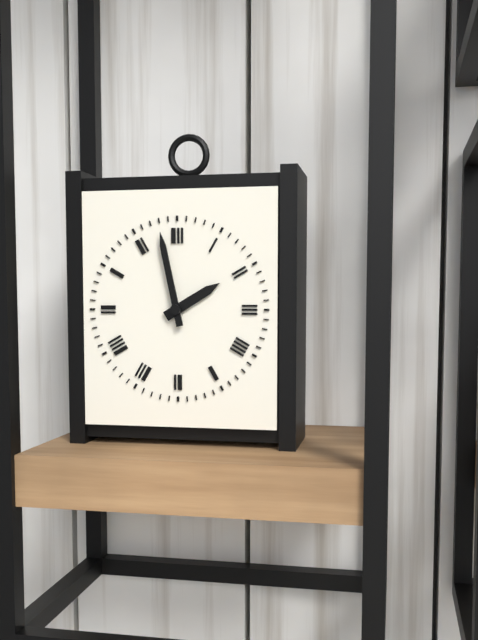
1,58
